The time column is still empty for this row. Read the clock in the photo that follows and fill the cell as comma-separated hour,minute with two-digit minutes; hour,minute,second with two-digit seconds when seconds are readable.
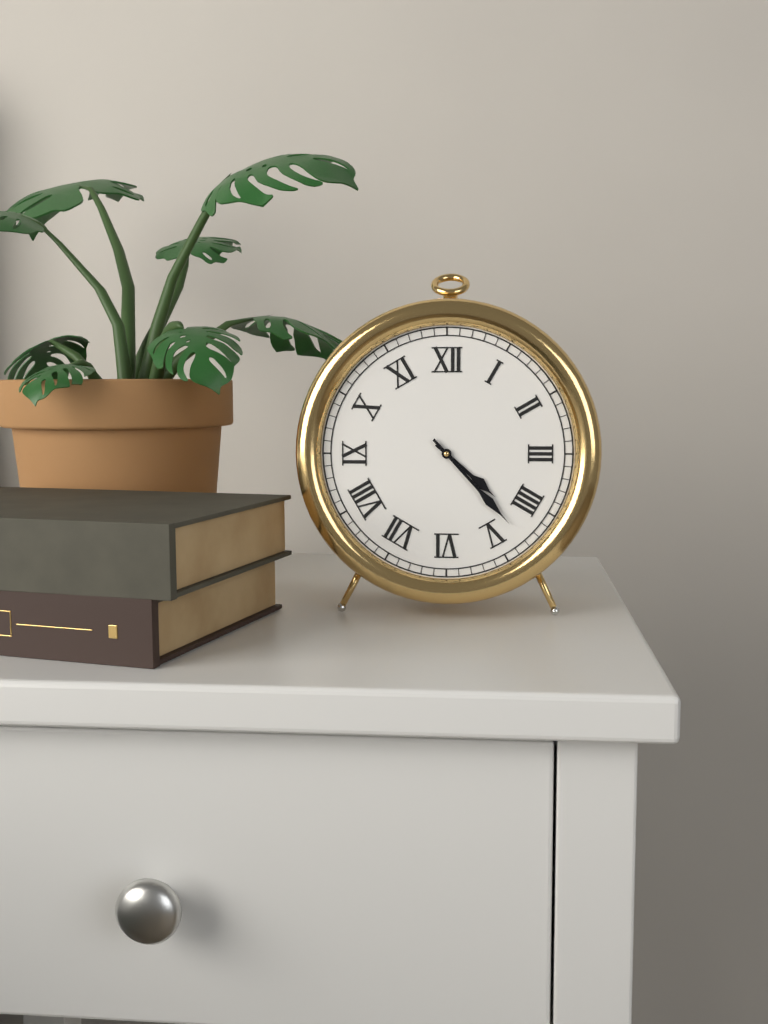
4,23
